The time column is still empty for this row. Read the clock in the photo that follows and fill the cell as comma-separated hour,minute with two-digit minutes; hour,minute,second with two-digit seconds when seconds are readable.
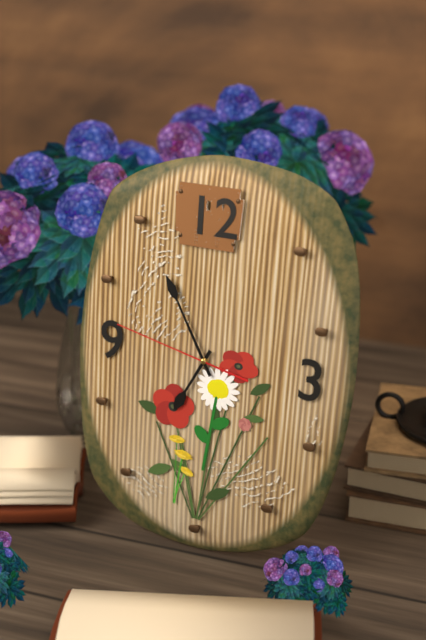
6,55,47
